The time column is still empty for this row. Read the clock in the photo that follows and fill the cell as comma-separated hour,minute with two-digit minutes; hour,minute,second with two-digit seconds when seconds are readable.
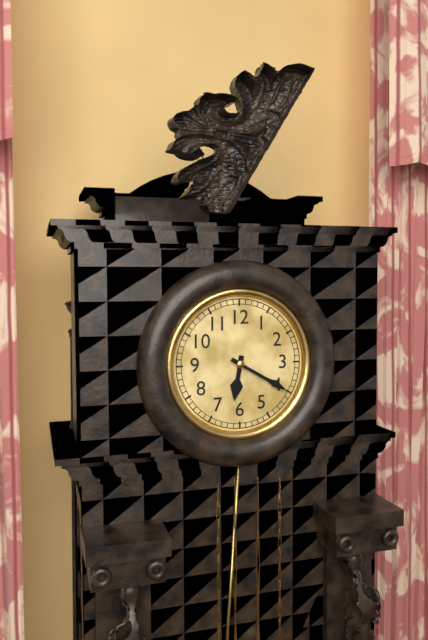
6,20
